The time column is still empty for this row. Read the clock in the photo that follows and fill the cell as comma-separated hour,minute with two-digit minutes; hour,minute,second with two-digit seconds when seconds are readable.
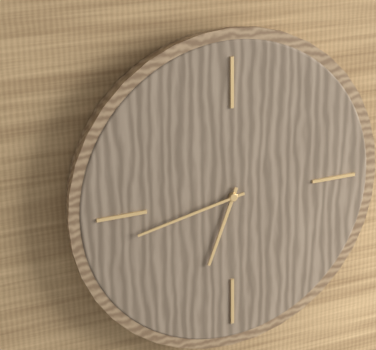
6,43
